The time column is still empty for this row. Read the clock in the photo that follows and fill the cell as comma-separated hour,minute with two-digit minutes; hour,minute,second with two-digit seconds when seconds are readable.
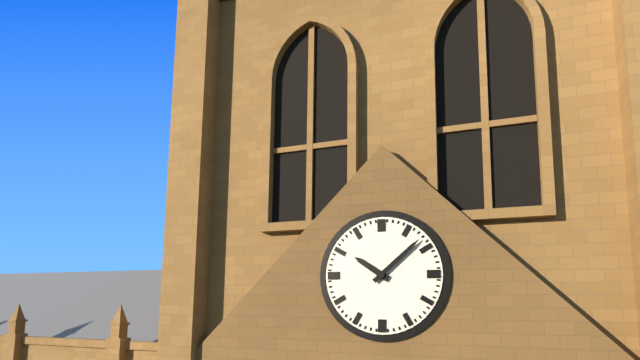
10,08
